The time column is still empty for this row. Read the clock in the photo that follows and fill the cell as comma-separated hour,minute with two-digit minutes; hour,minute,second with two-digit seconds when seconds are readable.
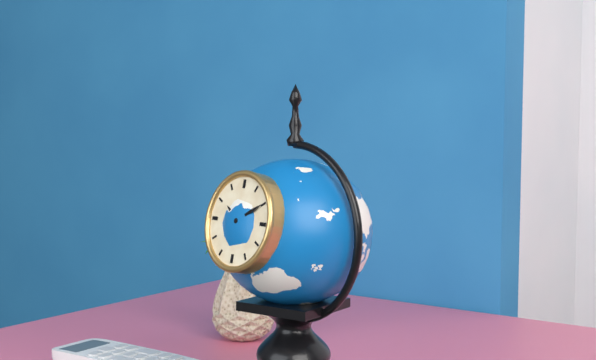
10,10
